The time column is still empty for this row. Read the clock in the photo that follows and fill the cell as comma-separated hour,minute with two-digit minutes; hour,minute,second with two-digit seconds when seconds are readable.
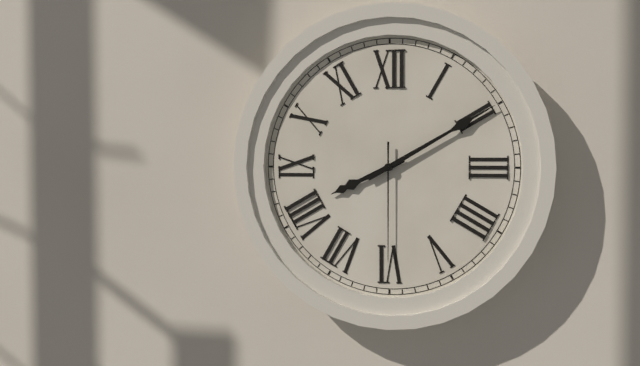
8,10,30
